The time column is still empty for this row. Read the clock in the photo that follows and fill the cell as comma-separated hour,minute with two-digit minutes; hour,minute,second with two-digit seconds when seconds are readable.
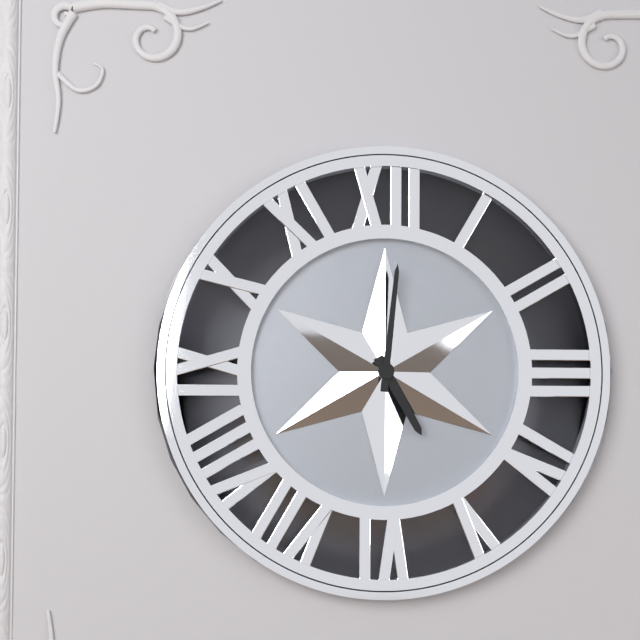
5,01
